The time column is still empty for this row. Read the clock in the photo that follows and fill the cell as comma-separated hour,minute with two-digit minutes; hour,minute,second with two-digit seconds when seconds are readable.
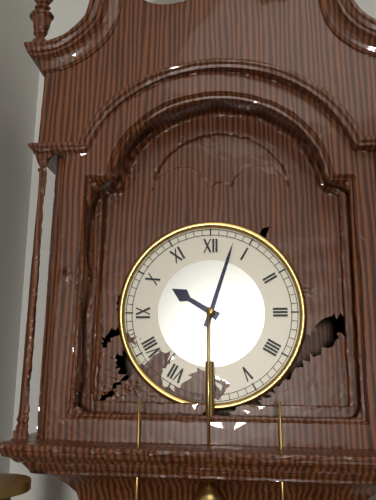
10,03
